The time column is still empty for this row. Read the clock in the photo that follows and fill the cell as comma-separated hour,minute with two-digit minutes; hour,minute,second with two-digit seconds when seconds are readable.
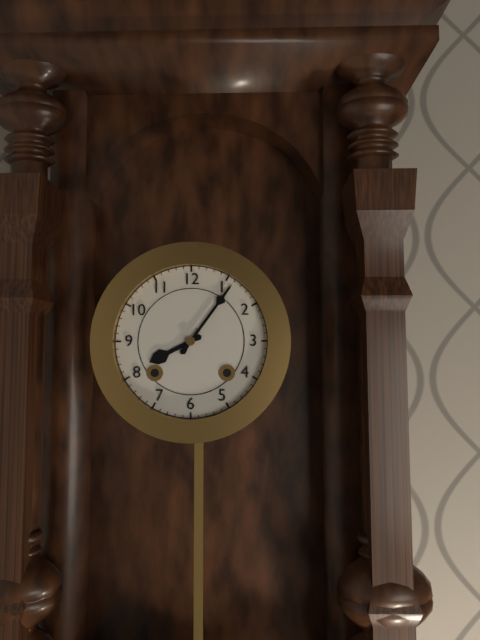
8,06
